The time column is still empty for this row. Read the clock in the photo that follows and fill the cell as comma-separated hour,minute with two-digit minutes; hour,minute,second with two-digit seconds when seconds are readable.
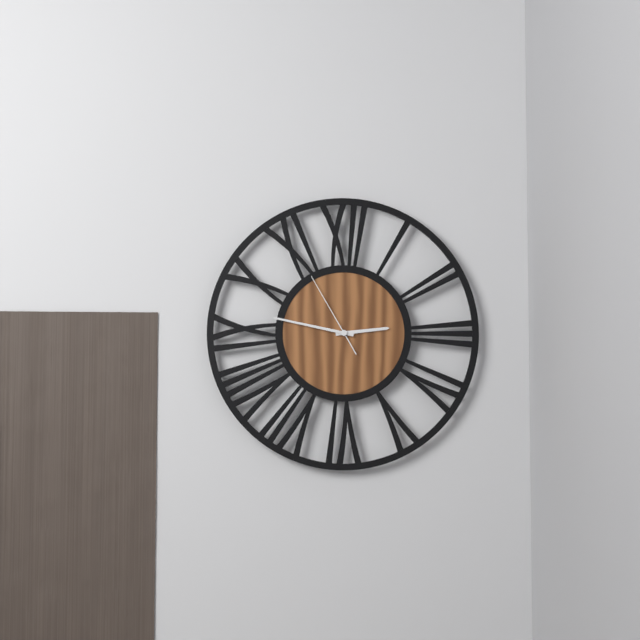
2,47,55
